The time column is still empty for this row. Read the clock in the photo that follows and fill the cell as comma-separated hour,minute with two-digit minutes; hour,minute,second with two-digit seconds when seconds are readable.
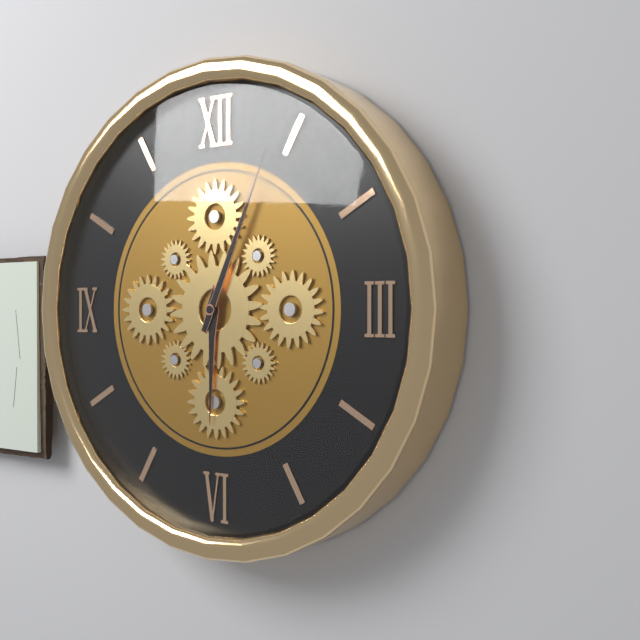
6,04
